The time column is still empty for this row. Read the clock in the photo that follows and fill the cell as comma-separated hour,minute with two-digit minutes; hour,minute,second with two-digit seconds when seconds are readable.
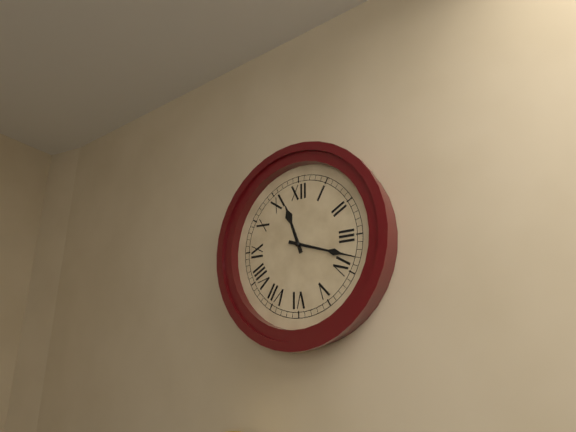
11,18
